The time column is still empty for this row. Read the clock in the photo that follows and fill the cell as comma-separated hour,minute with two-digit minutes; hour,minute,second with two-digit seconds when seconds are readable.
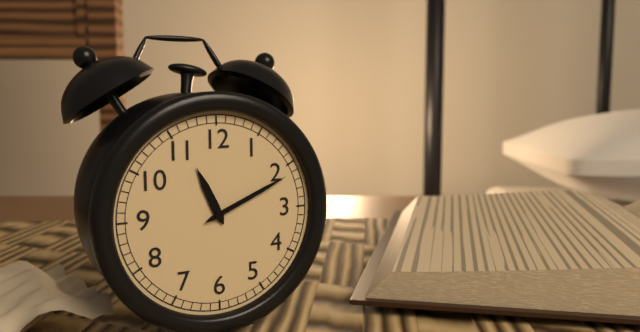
11,11
